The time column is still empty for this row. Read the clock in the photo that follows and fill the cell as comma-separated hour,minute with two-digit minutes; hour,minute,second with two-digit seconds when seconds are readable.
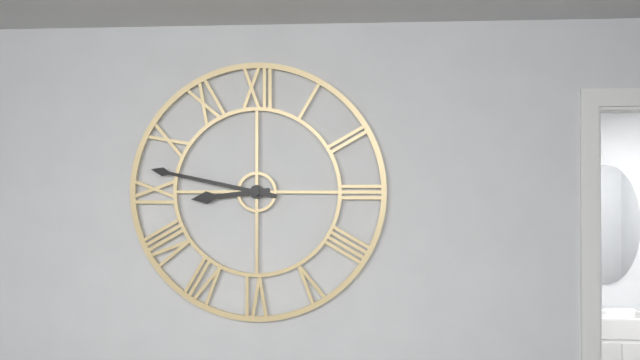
8,47
